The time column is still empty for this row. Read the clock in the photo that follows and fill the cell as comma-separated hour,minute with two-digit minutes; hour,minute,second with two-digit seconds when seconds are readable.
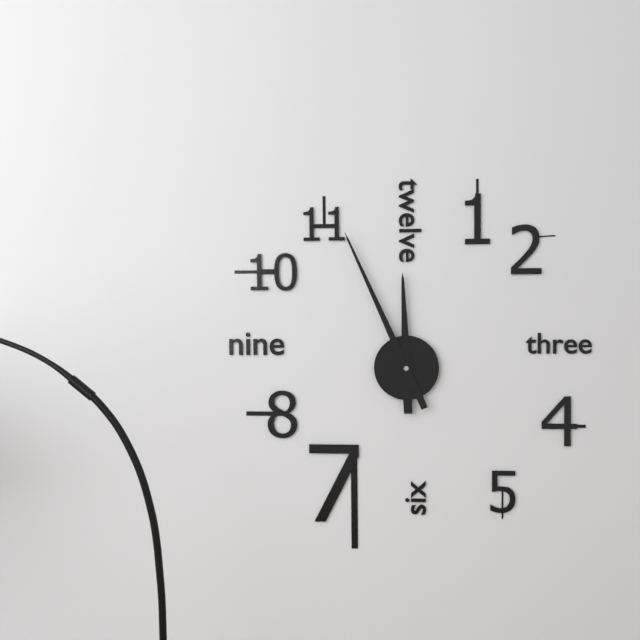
11,56
